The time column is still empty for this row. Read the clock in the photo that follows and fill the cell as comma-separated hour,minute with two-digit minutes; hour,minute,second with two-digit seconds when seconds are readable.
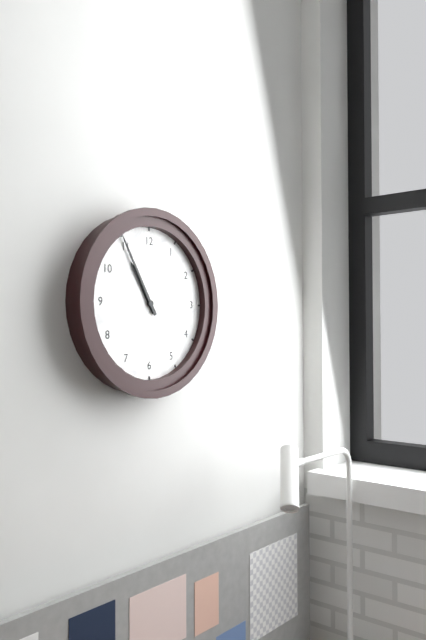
10,55
